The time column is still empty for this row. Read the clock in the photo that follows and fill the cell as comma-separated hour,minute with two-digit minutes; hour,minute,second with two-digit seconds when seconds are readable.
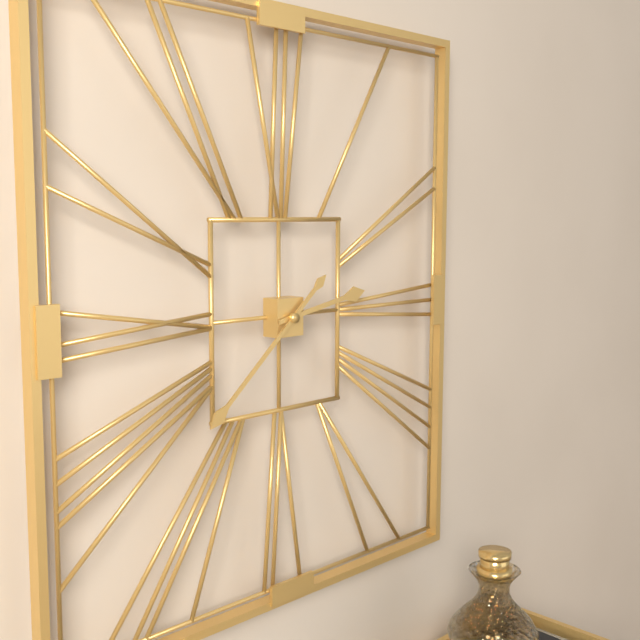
2,38
